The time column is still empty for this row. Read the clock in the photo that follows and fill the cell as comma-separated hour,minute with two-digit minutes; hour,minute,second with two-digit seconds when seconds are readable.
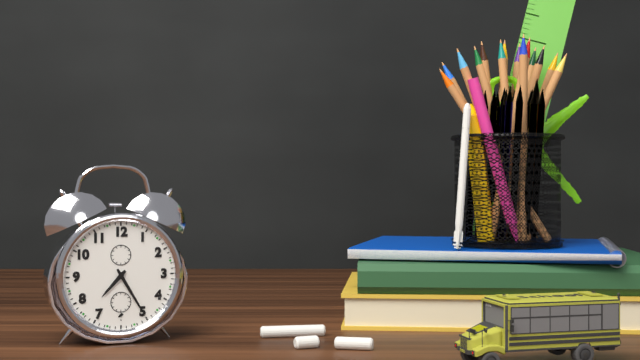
7,25
